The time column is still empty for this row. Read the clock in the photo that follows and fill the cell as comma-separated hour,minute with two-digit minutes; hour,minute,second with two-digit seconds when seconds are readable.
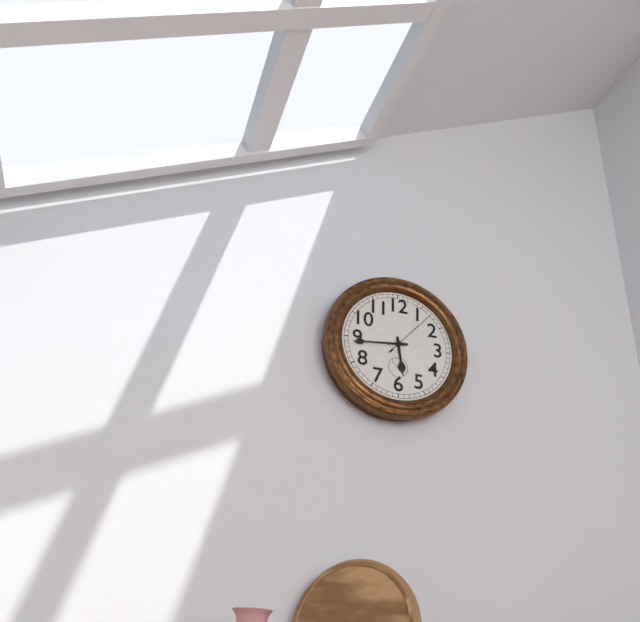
5,44,07
